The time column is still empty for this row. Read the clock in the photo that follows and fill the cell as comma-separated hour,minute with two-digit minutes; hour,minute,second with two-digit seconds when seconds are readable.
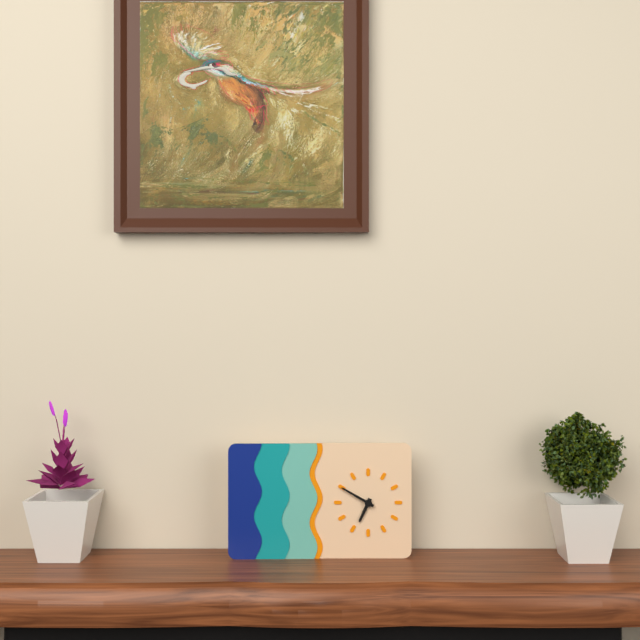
6,50
